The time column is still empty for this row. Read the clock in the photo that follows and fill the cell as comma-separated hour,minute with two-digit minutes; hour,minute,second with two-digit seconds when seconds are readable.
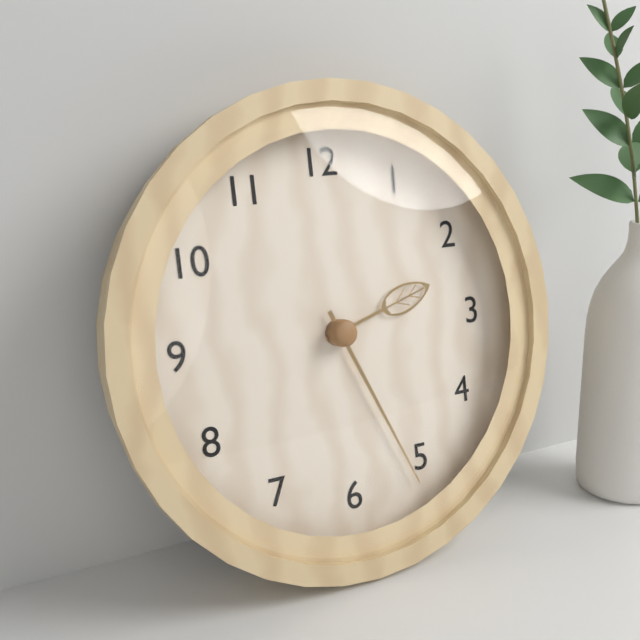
2,26
